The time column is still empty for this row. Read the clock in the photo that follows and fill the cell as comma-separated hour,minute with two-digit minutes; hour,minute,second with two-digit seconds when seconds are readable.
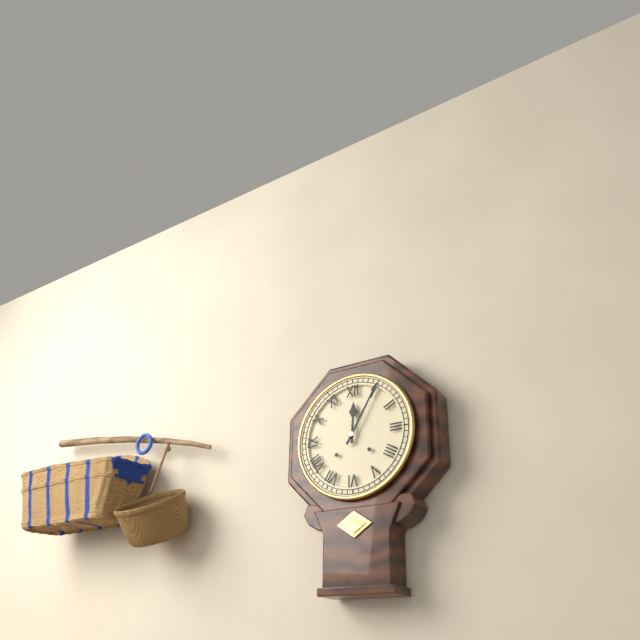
12,05
